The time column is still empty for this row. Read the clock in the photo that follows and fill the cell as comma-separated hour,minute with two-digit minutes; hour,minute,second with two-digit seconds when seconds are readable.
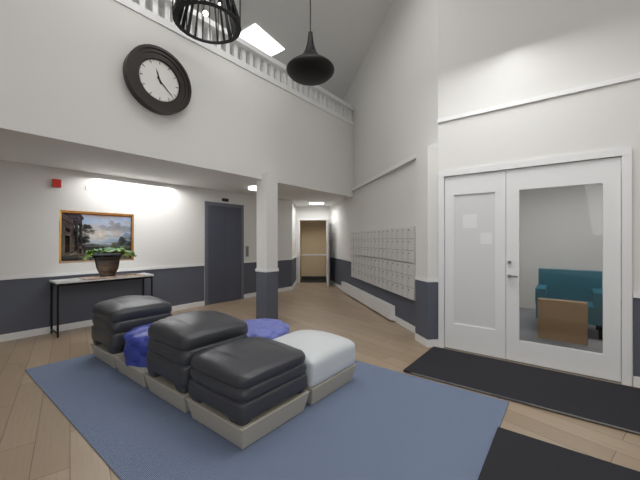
11,22
